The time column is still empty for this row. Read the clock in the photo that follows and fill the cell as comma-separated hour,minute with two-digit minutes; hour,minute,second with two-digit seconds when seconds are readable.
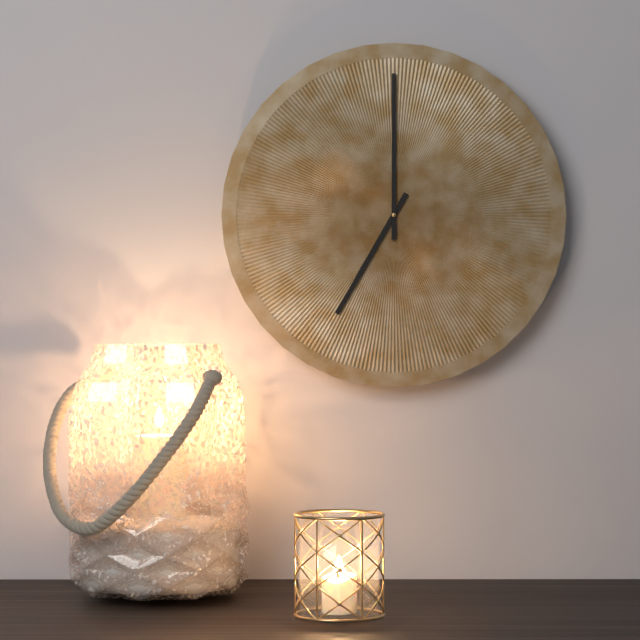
7,00
